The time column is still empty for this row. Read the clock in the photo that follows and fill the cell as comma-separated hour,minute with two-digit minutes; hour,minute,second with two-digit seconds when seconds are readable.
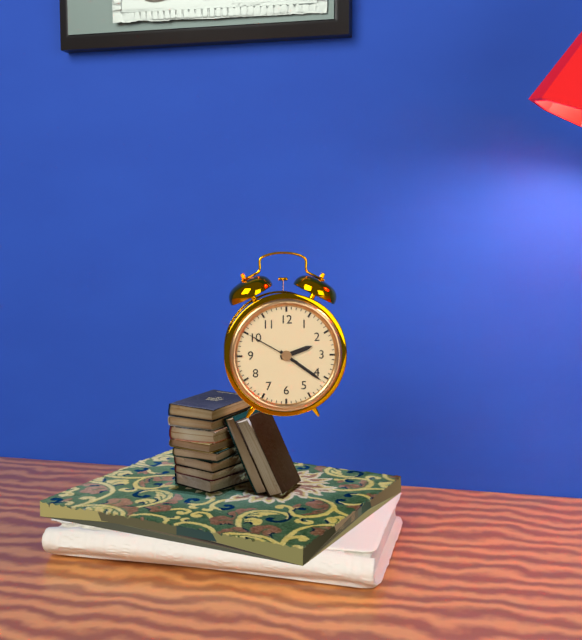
2,21,50
